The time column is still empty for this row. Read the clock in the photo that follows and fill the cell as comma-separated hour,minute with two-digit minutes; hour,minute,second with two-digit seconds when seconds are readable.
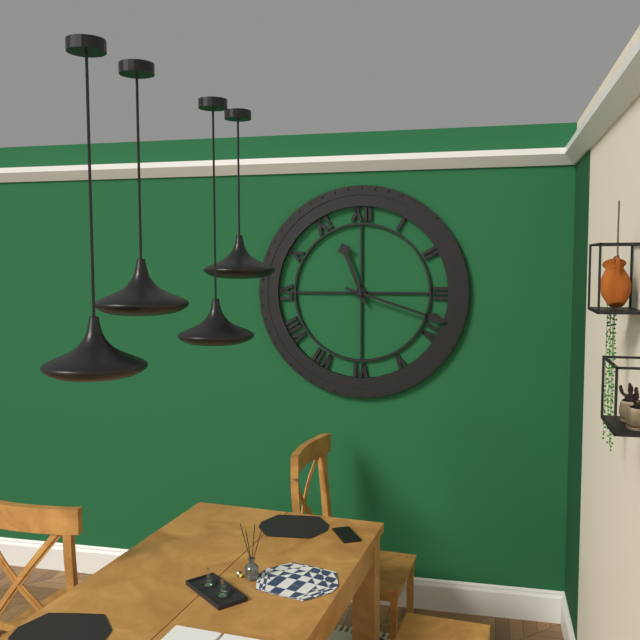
11,18
